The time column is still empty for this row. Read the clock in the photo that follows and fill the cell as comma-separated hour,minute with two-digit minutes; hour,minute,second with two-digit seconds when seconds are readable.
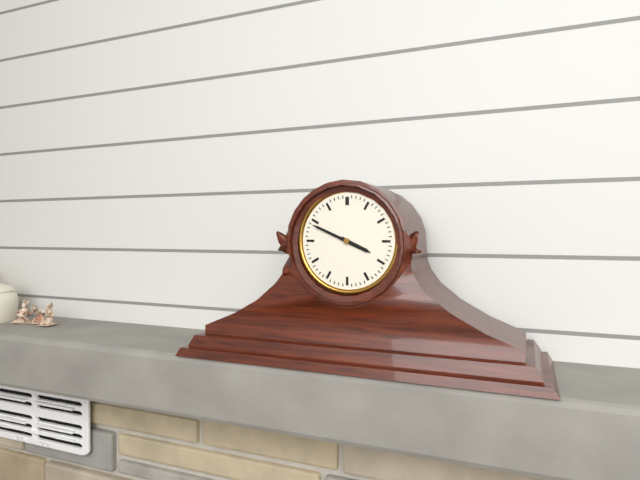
3,49
